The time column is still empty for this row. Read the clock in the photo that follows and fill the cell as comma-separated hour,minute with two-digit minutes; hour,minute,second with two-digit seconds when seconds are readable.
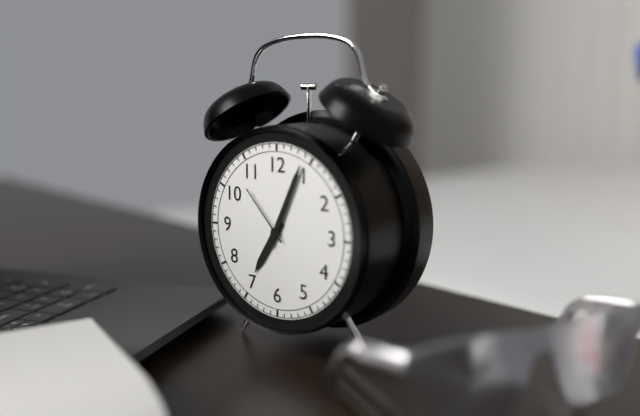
7,04,53
